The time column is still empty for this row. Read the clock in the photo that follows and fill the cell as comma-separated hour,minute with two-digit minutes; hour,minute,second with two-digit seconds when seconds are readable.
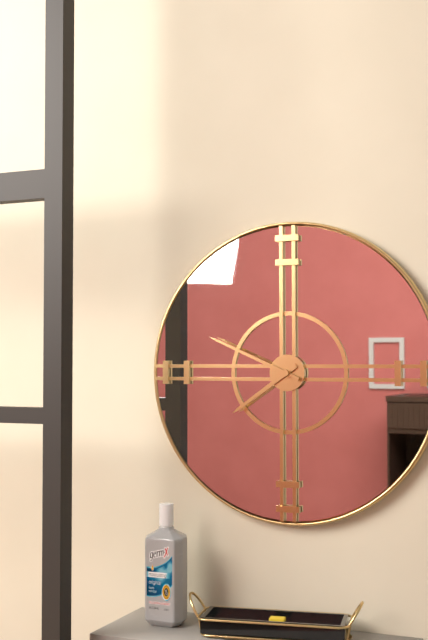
7,49
